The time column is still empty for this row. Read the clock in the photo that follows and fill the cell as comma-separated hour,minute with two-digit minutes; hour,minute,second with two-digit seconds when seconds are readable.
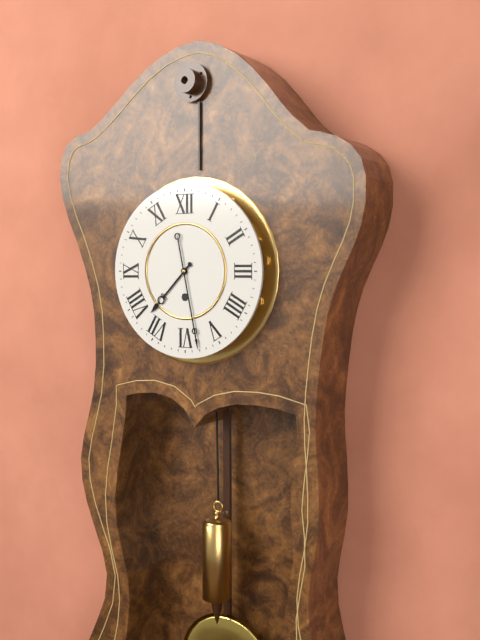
7,28
